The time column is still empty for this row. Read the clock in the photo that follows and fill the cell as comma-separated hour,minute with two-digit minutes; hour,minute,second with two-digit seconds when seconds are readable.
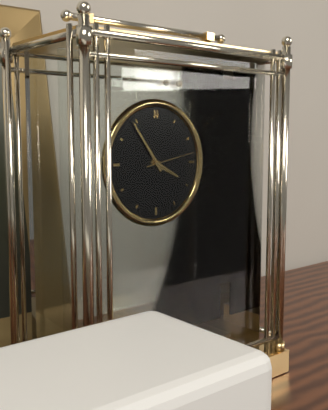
3,54
